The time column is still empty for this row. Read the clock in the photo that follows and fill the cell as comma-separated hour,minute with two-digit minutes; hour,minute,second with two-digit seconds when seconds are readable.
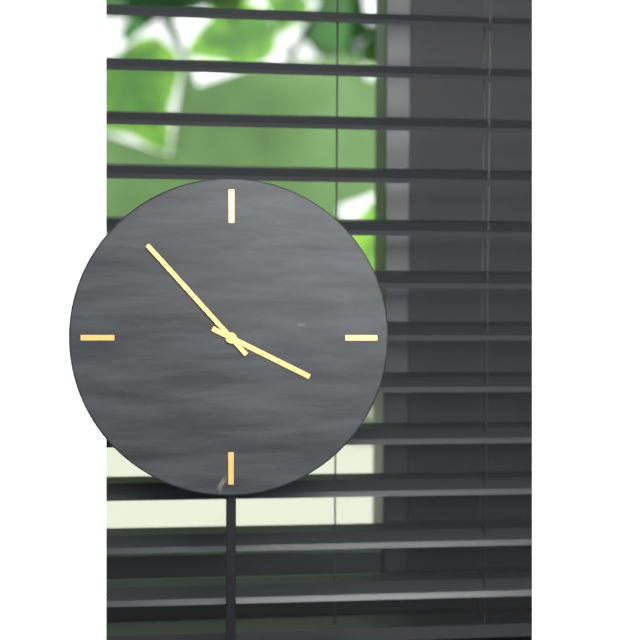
3,53
